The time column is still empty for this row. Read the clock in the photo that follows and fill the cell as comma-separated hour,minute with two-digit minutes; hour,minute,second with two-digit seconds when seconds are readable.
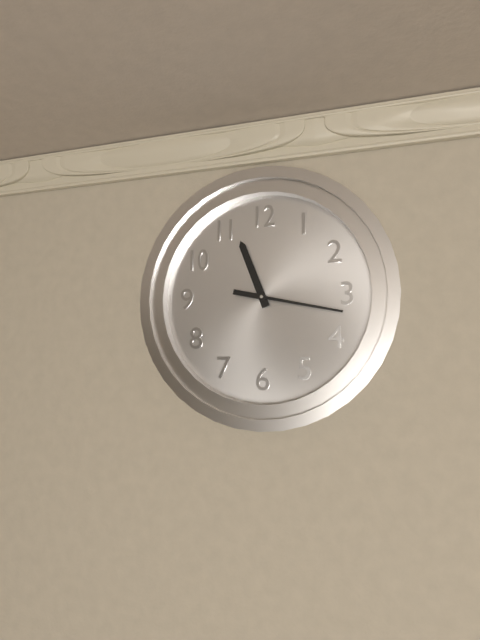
11,17
